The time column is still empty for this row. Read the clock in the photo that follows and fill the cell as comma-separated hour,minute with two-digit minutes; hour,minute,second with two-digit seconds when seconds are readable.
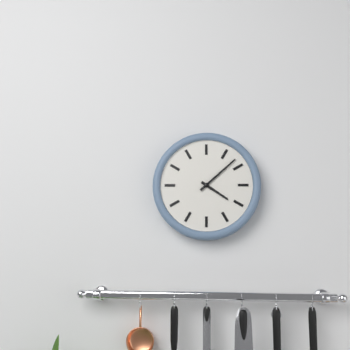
4,08
